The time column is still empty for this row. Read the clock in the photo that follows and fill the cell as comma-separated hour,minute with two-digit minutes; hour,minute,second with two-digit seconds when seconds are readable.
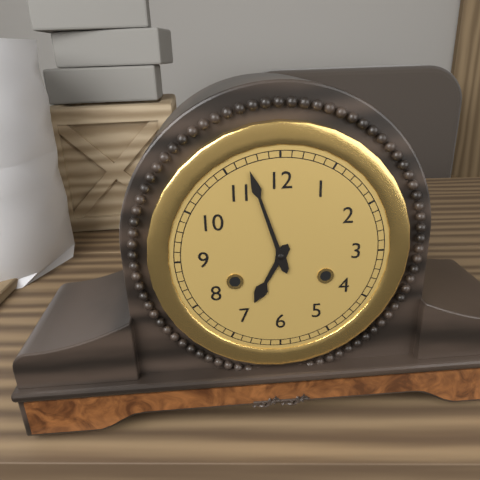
6,57
